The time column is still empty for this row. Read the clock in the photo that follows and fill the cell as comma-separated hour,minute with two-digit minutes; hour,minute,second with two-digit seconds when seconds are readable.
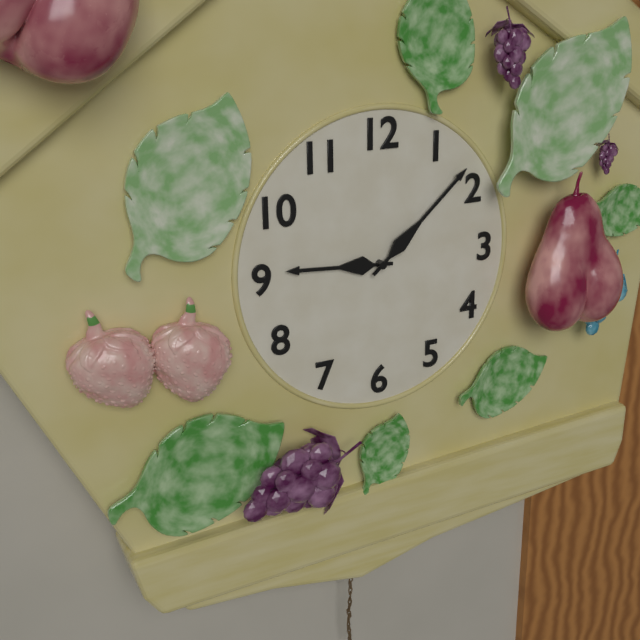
9,08
